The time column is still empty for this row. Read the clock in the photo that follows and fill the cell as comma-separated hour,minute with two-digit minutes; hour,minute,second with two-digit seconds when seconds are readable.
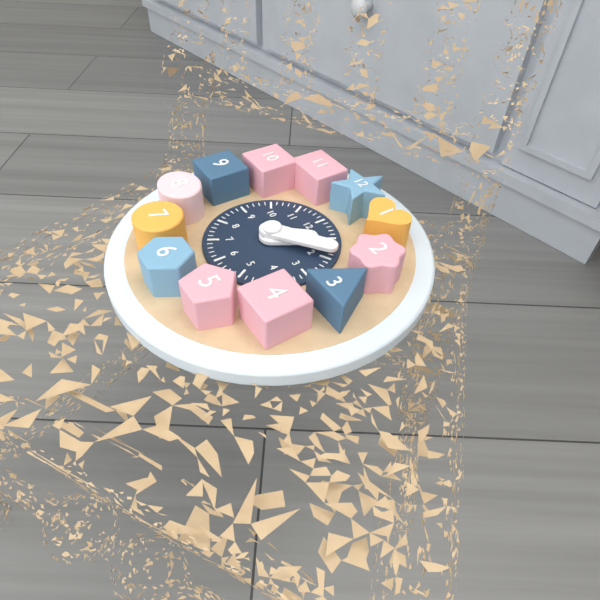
1,09
